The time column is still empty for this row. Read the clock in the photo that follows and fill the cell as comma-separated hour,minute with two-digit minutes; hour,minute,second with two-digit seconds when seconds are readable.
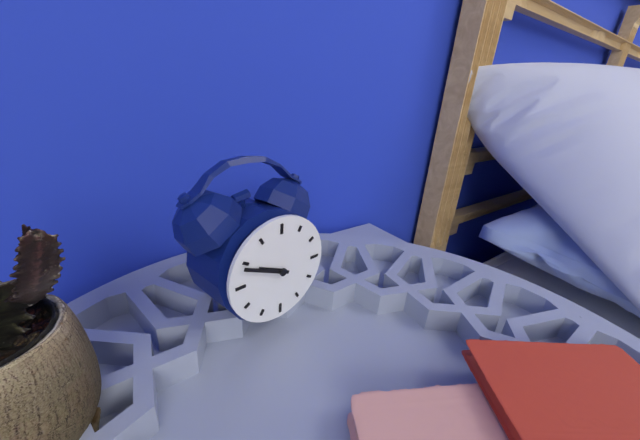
9,49
